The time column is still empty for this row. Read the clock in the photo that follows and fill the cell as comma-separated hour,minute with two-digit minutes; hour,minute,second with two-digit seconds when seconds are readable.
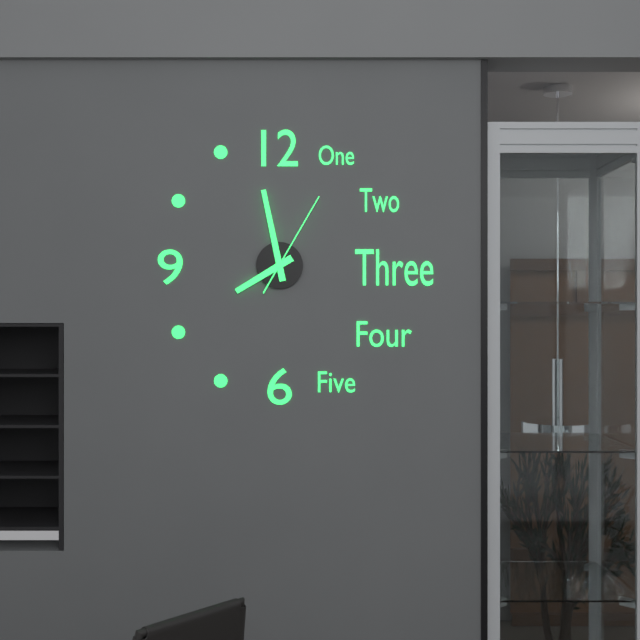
7,58,05
